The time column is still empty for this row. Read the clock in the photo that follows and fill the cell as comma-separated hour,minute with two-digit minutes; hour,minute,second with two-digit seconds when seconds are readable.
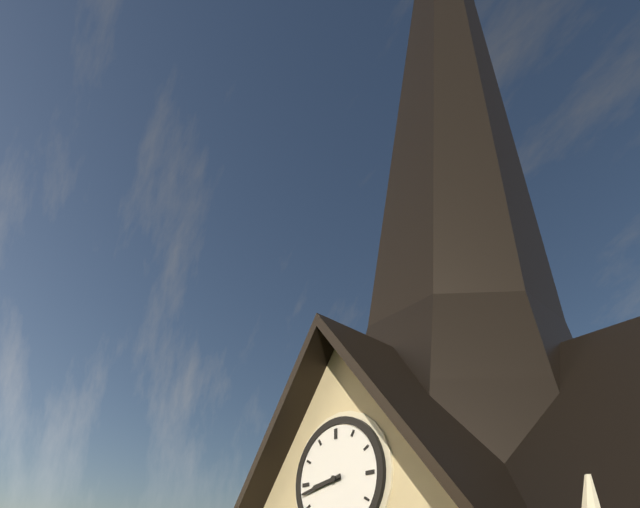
8,43
